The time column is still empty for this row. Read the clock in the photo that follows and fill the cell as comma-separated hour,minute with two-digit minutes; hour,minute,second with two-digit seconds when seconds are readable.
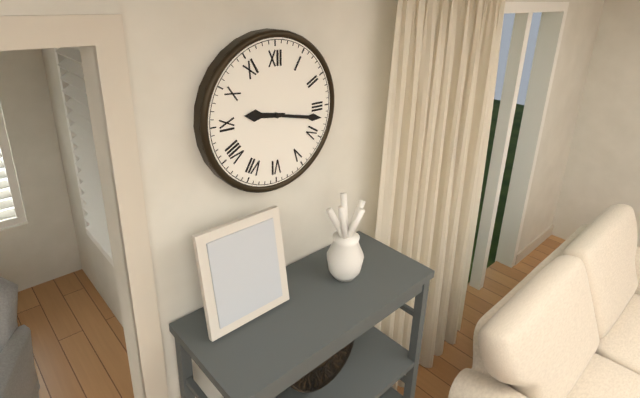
9,17
